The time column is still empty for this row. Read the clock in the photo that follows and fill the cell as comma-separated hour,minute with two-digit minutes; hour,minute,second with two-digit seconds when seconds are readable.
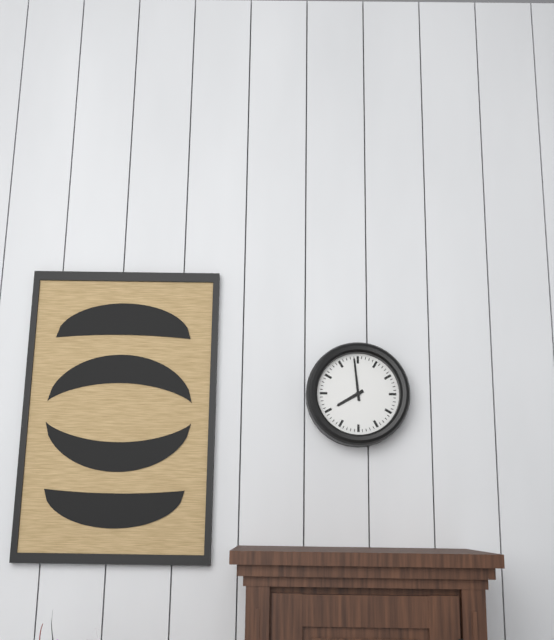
7,59
